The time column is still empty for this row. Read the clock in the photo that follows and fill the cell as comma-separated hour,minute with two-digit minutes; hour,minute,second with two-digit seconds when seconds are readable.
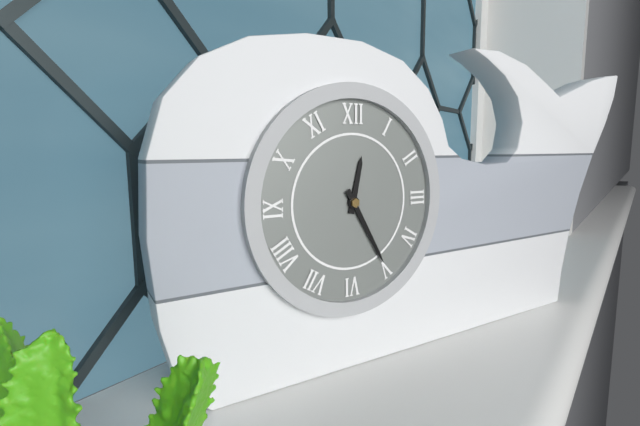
12,25
